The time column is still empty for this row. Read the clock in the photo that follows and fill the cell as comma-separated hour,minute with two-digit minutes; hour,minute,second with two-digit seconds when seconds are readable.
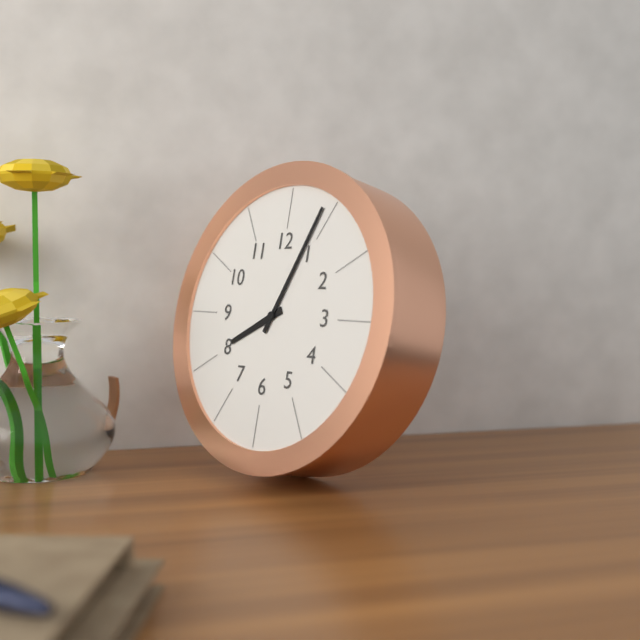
8,04
